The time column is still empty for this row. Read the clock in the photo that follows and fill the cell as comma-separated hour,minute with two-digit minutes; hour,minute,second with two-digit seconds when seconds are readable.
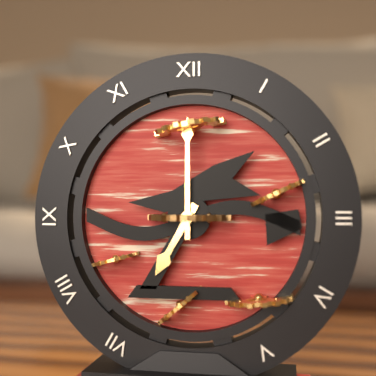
7,00
